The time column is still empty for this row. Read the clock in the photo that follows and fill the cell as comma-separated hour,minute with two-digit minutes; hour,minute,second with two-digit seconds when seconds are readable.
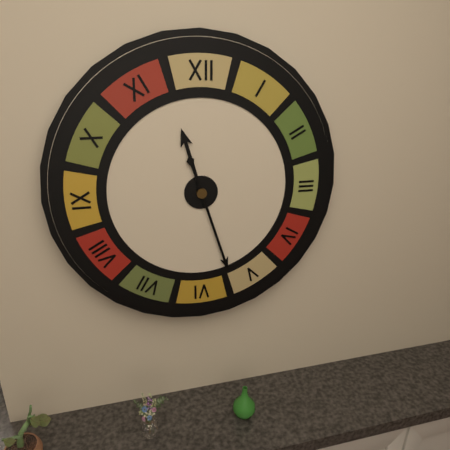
11,27
